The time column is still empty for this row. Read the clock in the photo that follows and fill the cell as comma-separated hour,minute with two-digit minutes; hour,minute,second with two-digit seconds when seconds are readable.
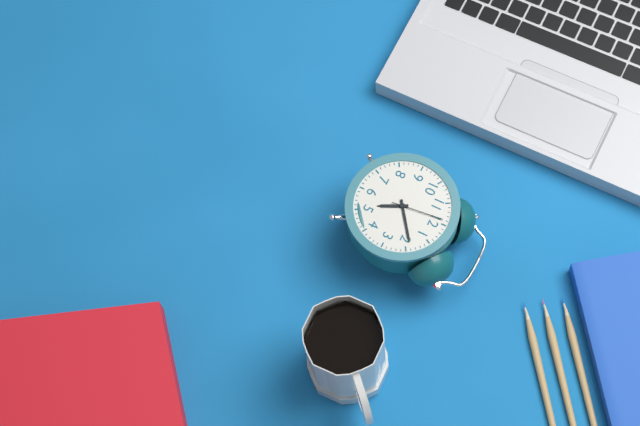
5,09,59
